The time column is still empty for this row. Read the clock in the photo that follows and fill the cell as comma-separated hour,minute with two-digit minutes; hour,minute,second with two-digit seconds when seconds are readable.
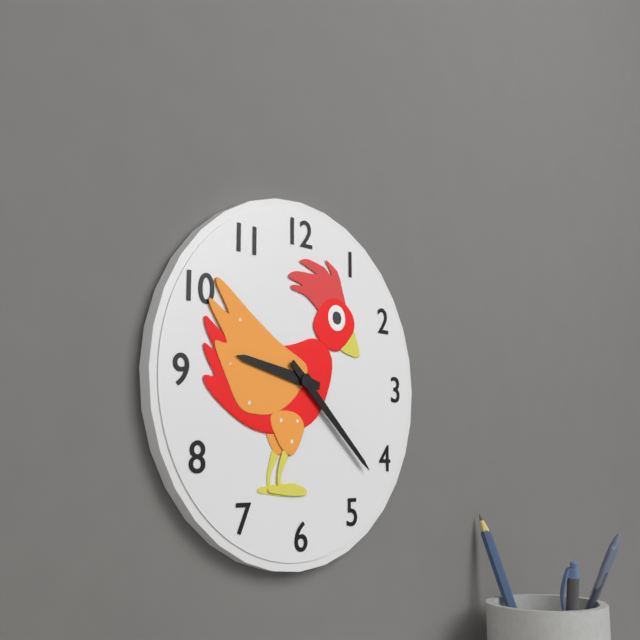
9,22
